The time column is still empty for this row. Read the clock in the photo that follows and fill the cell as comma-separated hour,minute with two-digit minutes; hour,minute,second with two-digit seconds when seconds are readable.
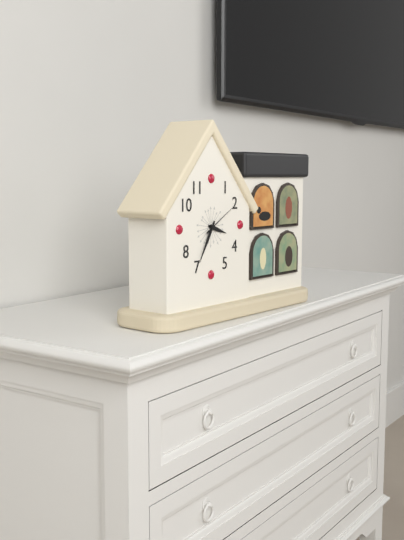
3,35,10
